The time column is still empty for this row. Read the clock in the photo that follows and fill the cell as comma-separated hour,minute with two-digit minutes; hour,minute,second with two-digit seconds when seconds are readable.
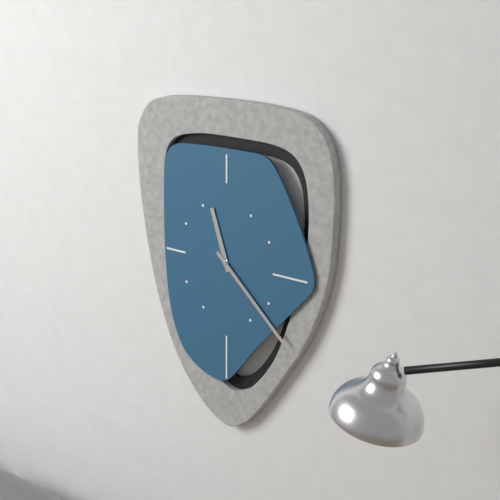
11,22
